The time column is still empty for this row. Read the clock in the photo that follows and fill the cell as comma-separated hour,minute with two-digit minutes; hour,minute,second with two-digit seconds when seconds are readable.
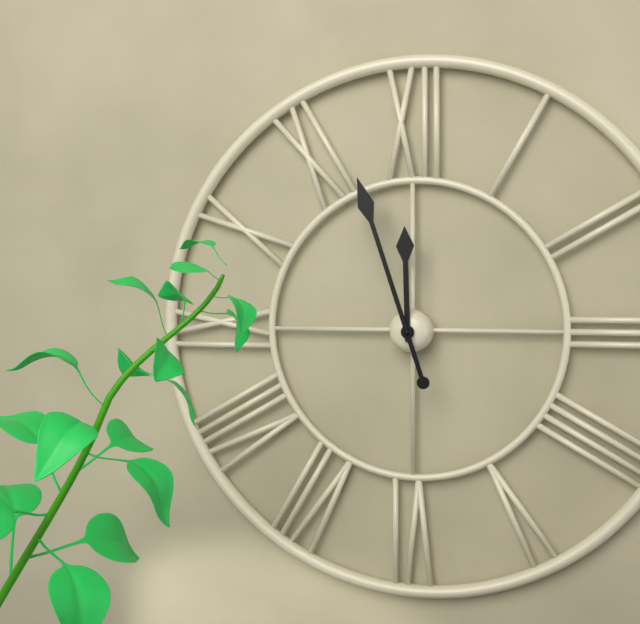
11,57
